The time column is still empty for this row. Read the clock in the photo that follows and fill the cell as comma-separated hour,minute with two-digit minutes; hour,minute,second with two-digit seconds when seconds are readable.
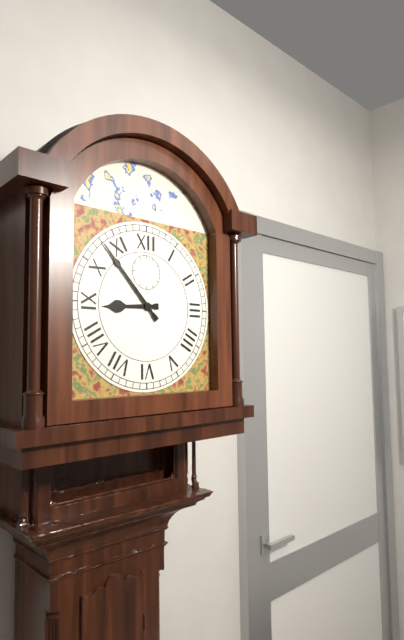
8,53
